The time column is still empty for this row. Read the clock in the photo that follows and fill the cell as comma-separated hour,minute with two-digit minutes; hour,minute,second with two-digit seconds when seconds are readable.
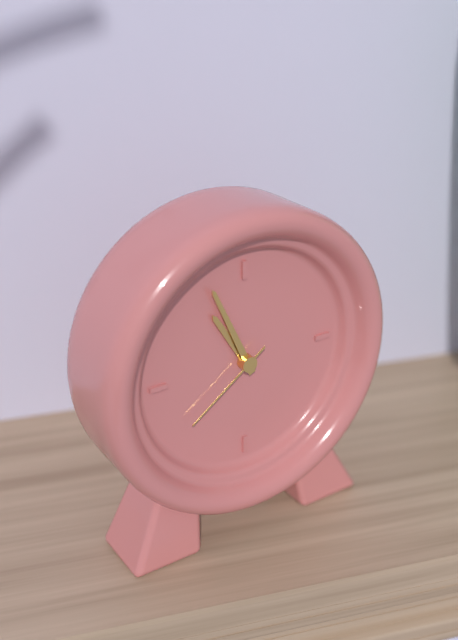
10,56,39
